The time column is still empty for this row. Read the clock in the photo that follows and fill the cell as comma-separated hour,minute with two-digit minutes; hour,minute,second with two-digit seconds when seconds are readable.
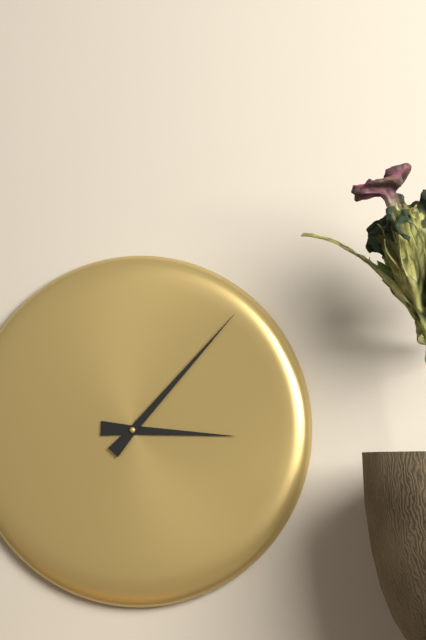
3,07
